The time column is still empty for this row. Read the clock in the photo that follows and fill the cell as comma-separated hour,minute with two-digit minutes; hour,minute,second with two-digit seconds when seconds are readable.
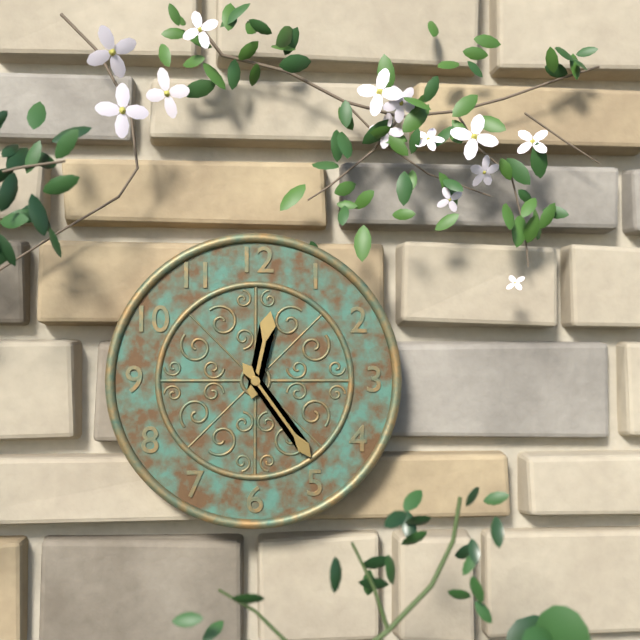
12,24
